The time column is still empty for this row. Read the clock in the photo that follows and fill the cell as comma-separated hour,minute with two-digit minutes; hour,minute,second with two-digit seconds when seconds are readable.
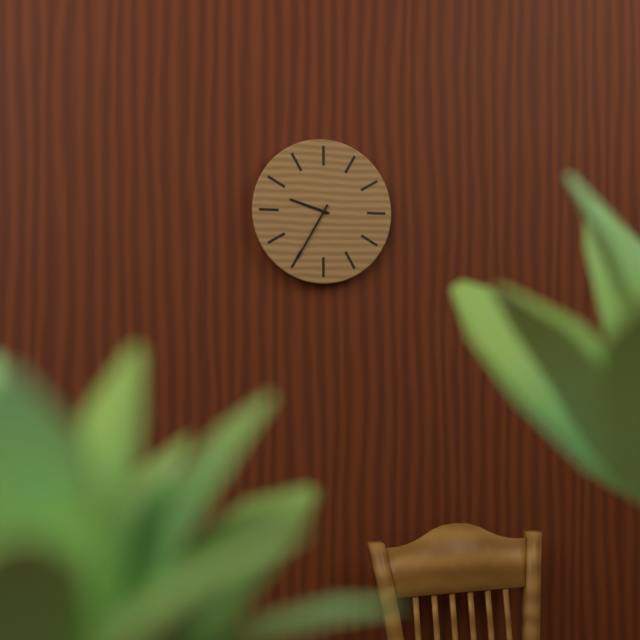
9,35
